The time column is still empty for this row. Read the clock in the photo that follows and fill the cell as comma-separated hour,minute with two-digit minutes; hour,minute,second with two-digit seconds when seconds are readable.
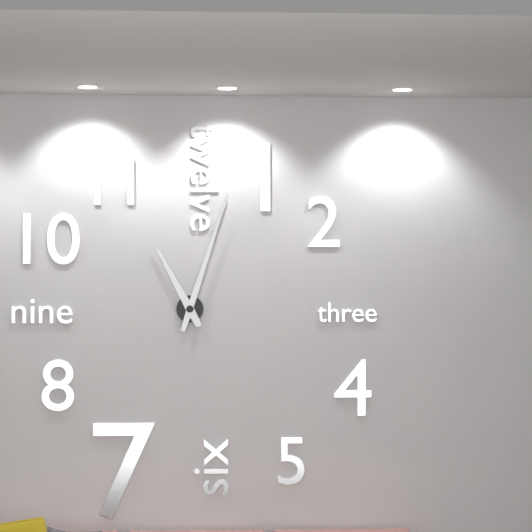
11,03
